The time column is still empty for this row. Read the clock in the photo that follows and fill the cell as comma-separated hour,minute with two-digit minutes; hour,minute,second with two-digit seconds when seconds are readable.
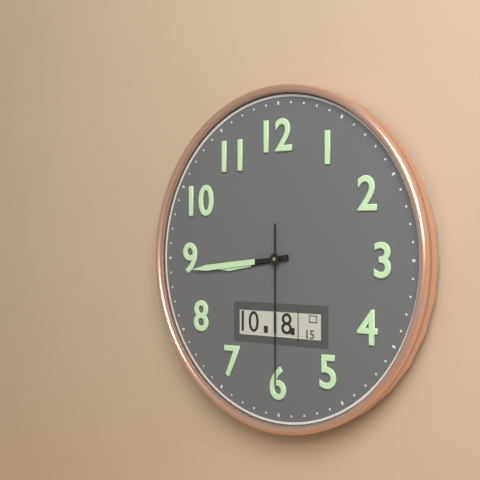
8,44,30
